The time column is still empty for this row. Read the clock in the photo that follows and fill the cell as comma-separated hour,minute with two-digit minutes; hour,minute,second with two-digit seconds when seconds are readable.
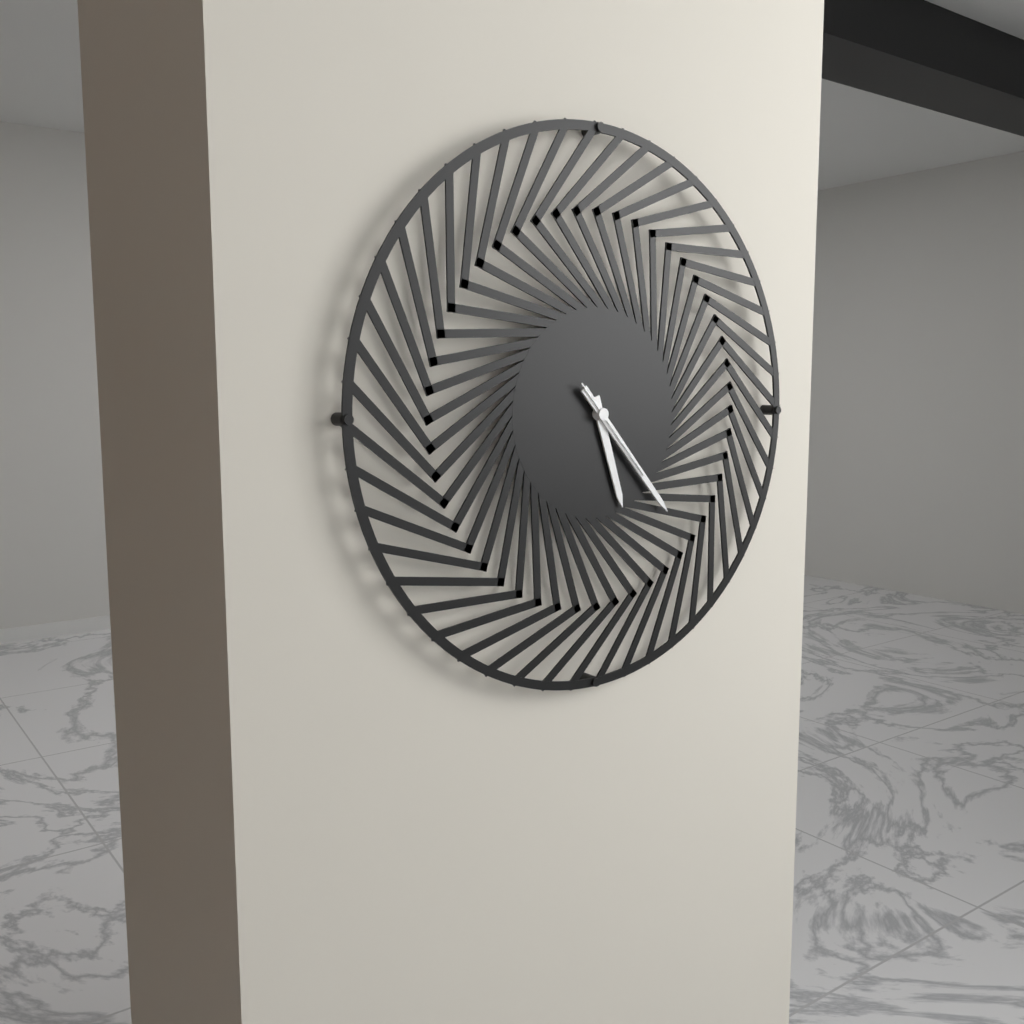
5,23,23
